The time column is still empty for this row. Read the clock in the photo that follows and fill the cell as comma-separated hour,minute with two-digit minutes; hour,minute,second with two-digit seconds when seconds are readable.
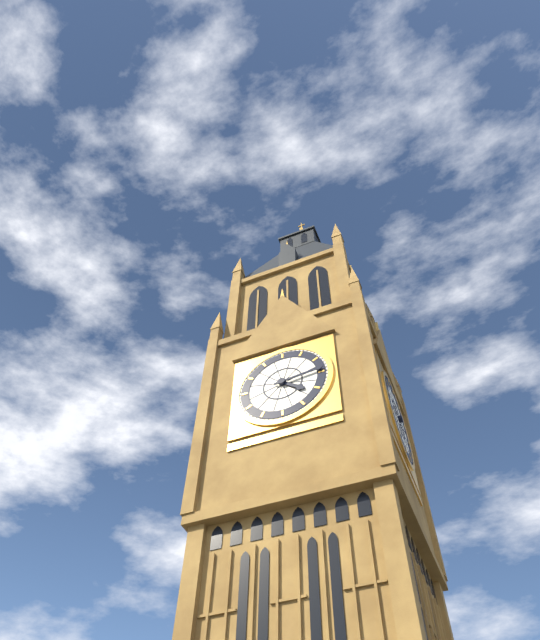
4,14
